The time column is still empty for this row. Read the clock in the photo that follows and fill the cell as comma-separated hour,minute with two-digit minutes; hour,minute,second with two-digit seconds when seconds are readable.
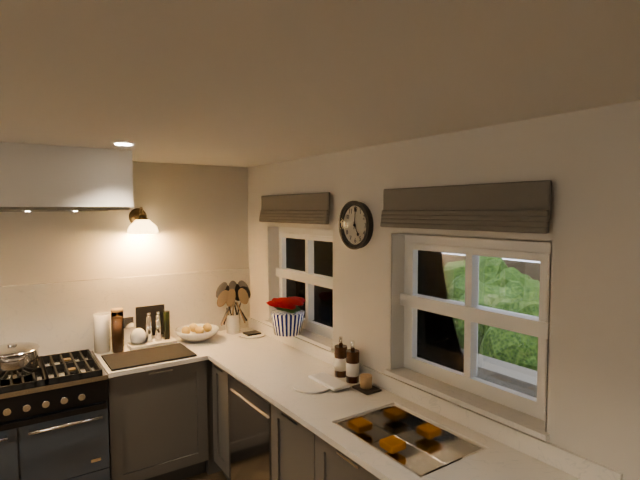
5,01
